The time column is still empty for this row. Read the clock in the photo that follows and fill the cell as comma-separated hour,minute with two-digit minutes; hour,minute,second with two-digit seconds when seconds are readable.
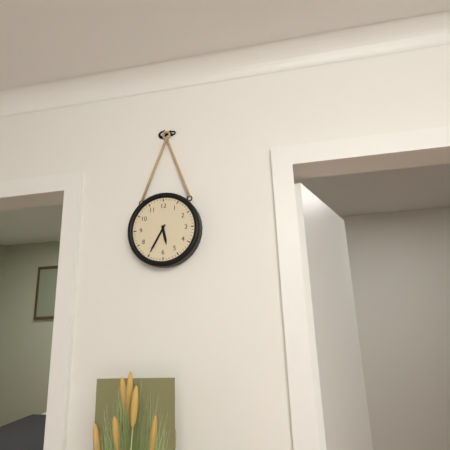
5,35
